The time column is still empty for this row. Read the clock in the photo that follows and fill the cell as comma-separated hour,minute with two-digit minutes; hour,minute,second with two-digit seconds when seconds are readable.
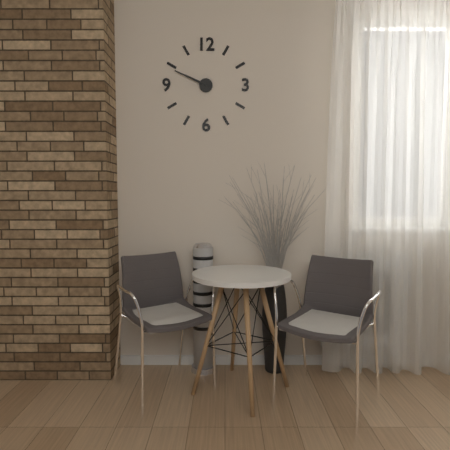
9,49
